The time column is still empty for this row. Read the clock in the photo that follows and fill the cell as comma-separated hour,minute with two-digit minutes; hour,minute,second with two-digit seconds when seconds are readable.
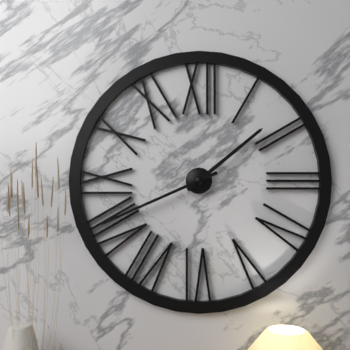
1,41
